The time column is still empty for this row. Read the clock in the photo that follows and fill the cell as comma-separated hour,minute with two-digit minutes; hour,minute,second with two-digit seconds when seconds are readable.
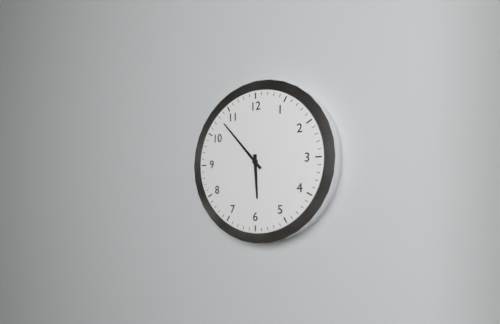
5,53
